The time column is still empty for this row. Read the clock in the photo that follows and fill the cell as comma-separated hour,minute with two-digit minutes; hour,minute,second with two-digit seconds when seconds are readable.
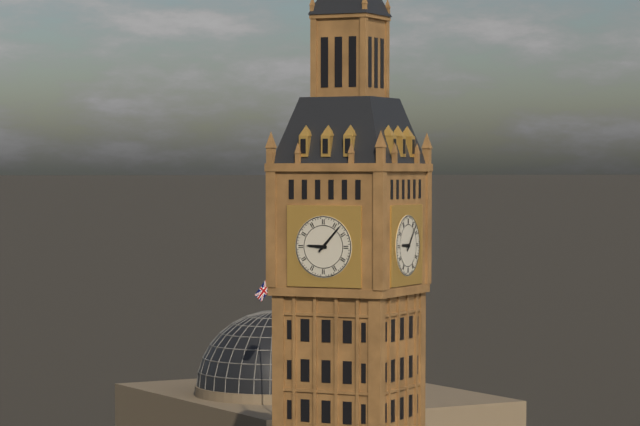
9,07
